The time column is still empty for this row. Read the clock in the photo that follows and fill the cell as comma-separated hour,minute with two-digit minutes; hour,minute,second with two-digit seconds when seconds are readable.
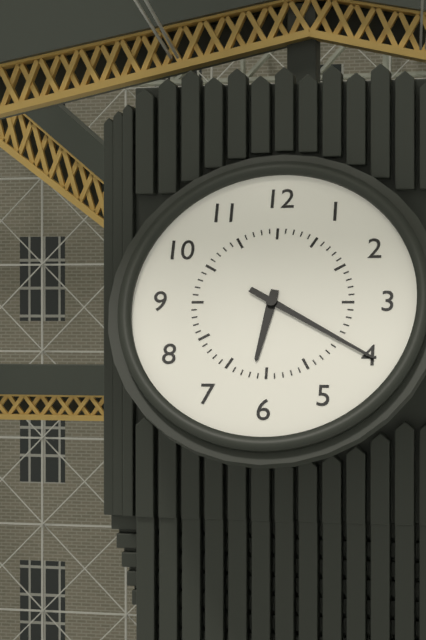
6,20
